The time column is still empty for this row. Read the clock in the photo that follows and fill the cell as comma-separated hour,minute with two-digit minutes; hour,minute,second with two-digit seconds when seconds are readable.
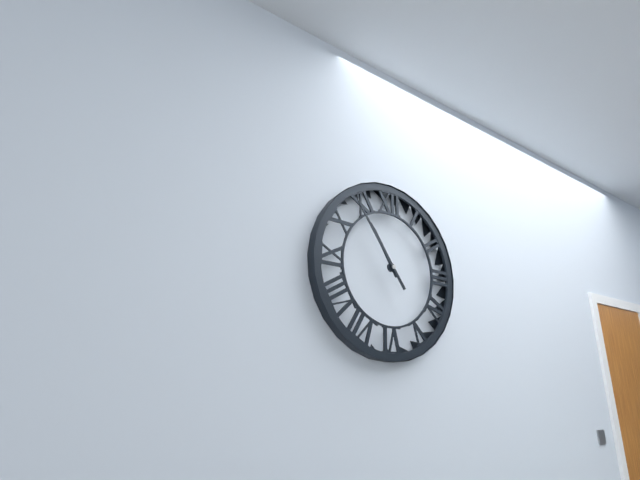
10,54
